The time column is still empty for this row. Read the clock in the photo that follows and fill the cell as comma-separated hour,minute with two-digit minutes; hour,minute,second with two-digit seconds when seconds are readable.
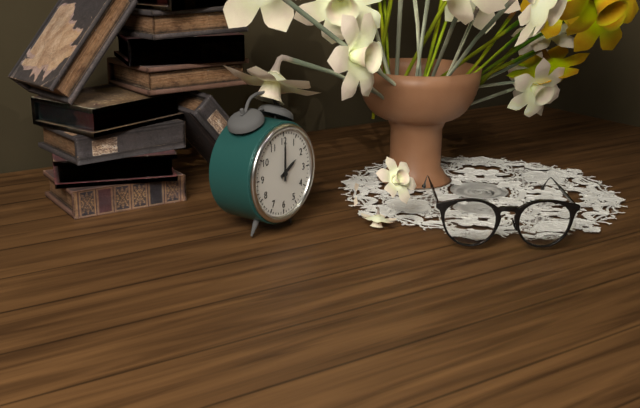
2,00
